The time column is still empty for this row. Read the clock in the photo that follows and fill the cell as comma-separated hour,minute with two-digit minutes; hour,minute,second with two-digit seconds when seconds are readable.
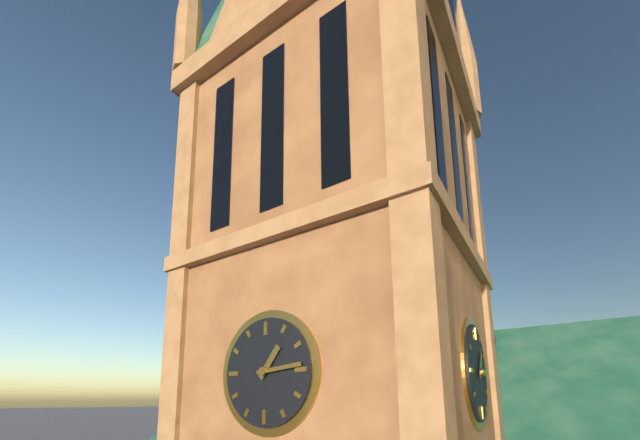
1,14
